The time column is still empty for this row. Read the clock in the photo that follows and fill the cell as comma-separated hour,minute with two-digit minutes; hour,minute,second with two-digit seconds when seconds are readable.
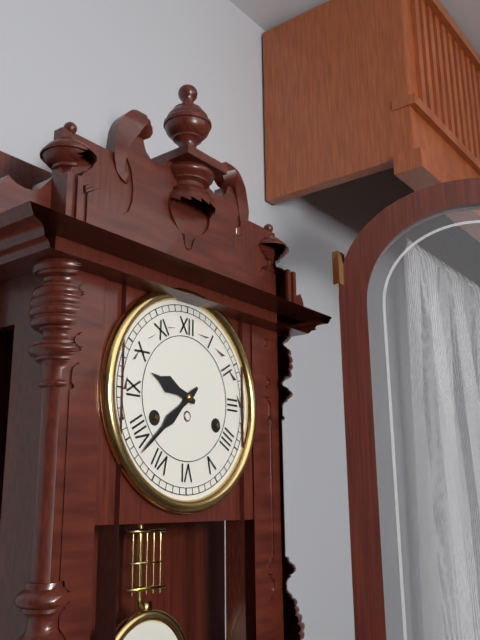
9,38
